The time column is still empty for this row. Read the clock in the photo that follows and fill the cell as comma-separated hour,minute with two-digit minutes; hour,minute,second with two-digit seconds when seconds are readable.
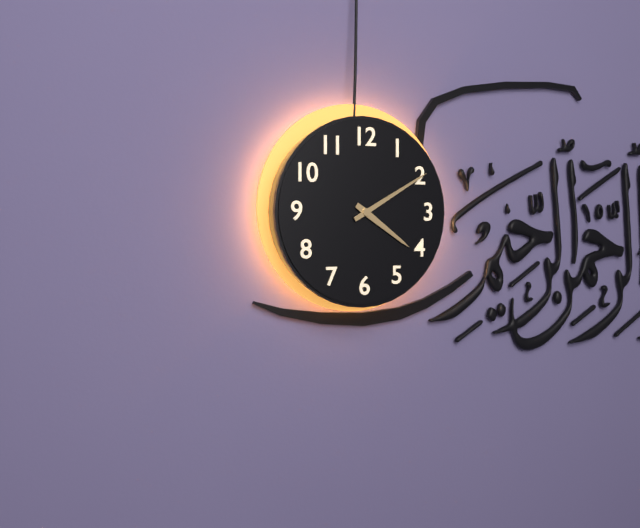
4,10
